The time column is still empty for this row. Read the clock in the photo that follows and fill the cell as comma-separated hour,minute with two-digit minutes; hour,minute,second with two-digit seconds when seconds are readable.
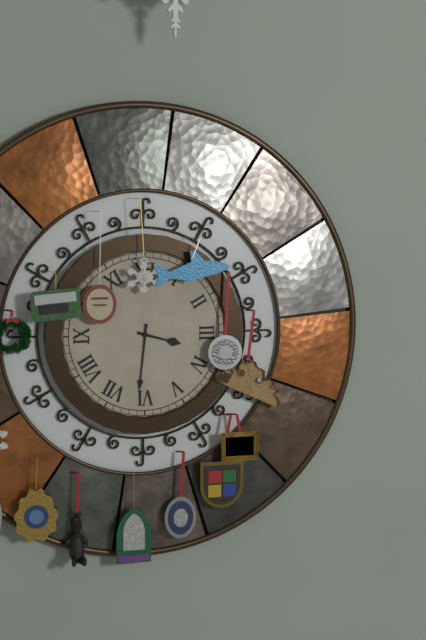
3,31
